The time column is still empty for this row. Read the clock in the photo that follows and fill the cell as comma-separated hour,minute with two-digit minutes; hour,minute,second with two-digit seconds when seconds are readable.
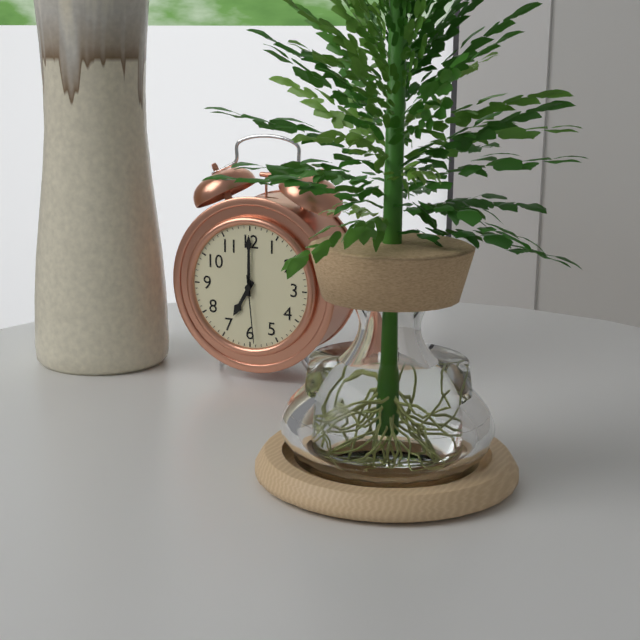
7,00,29
